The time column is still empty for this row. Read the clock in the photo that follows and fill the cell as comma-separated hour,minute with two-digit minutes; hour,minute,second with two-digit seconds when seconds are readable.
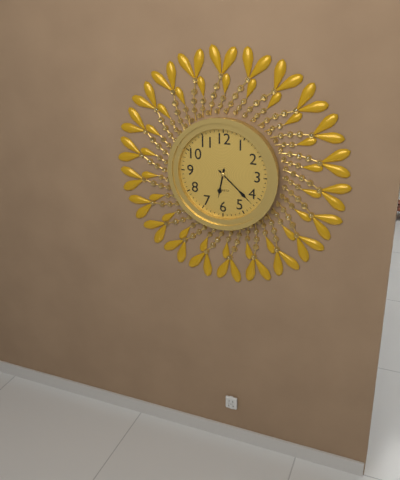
6,22
